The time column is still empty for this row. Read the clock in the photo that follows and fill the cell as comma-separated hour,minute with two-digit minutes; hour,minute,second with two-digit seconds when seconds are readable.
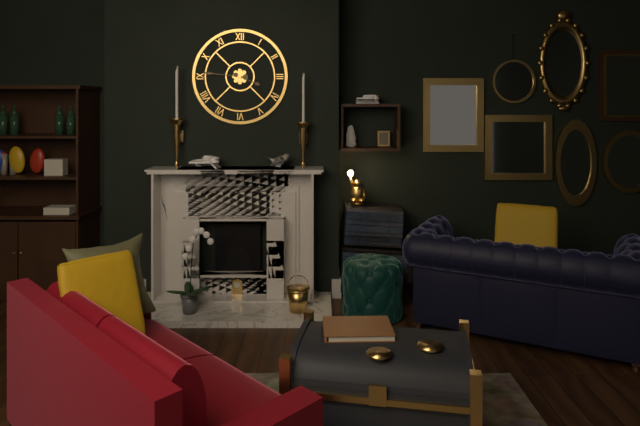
3,46
